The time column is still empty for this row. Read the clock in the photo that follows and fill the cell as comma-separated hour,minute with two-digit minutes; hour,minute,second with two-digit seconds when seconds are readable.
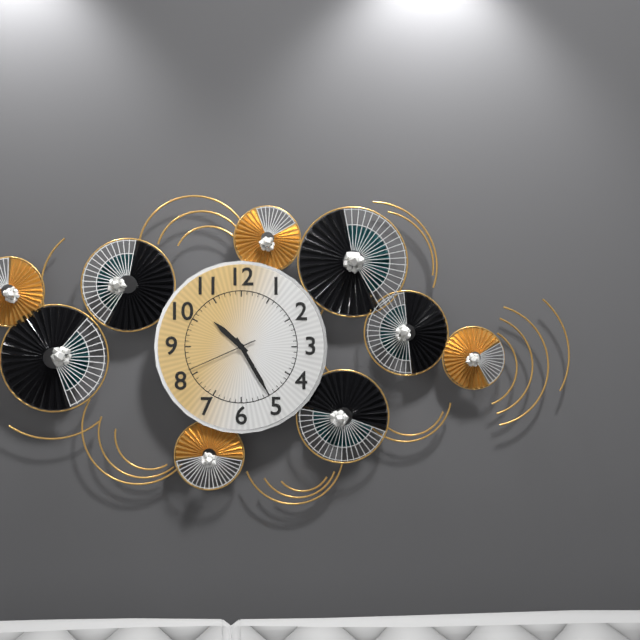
10,25,41
